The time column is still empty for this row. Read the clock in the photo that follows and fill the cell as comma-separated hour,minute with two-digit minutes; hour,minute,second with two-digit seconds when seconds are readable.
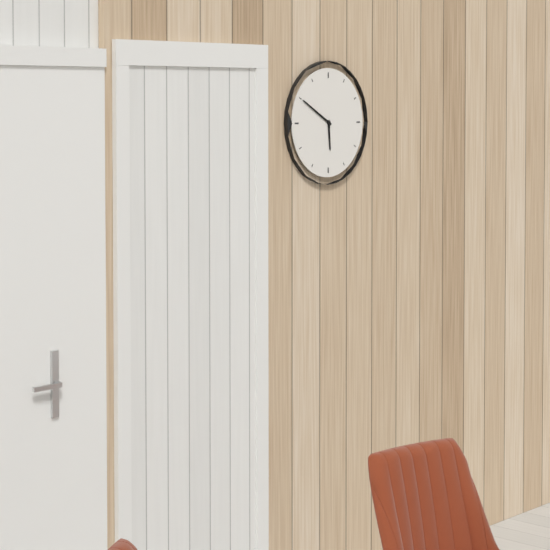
5,50
